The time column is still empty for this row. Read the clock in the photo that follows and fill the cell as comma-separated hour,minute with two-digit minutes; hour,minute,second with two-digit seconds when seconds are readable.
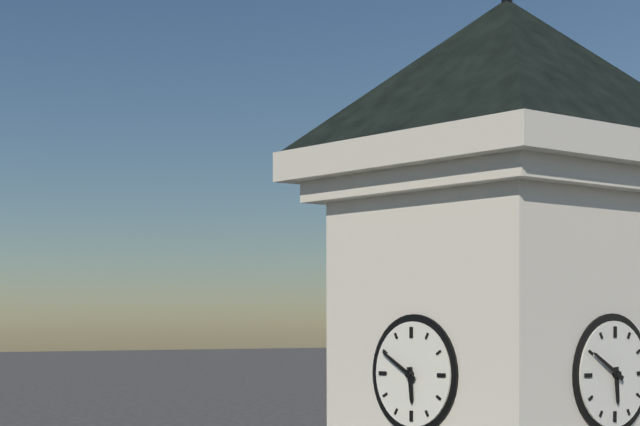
5,50
